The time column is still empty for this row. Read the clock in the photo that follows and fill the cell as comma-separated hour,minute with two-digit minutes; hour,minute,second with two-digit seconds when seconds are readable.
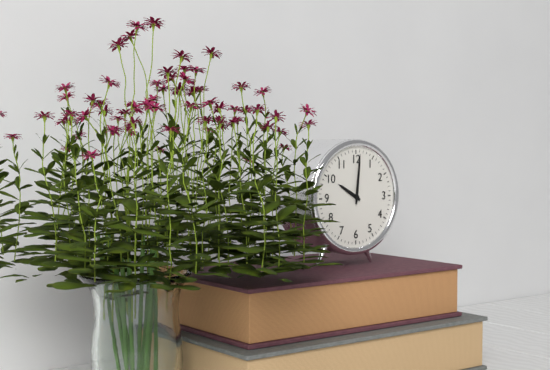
10,01
